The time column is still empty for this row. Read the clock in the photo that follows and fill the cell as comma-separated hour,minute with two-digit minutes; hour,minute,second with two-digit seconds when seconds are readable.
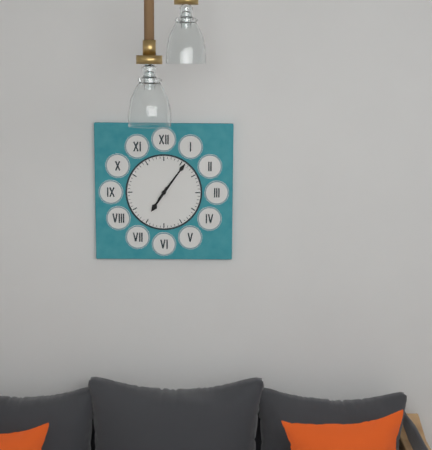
7,06
